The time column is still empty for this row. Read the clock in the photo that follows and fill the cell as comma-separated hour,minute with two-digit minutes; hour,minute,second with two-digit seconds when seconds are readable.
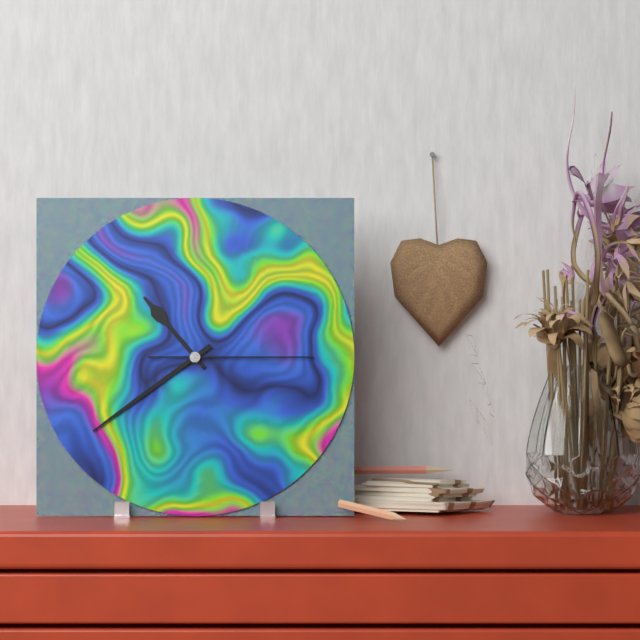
10,39,15
